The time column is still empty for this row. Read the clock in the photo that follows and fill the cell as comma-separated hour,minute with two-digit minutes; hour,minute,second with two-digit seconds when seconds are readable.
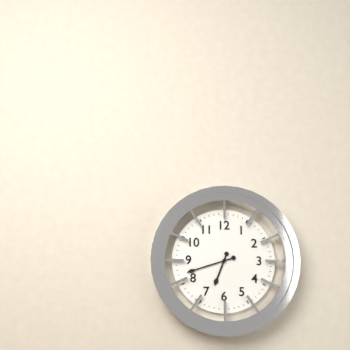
6,42
